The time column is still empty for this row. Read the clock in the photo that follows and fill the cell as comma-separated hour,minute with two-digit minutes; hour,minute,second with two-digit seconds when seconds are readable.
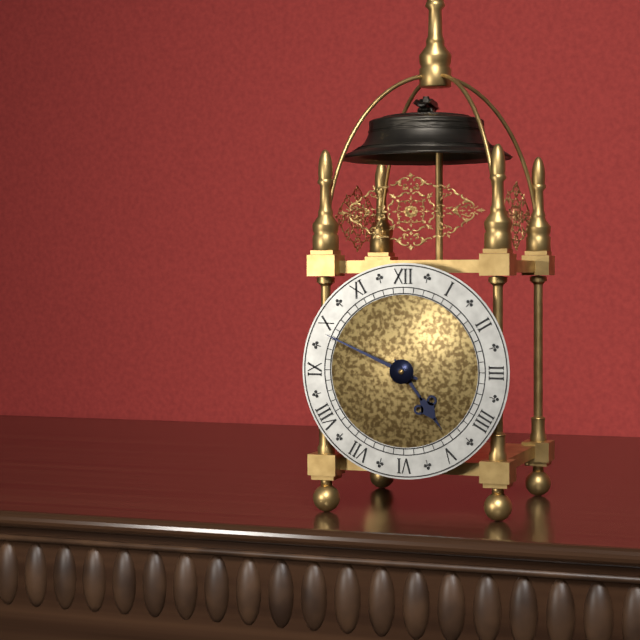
4,49
